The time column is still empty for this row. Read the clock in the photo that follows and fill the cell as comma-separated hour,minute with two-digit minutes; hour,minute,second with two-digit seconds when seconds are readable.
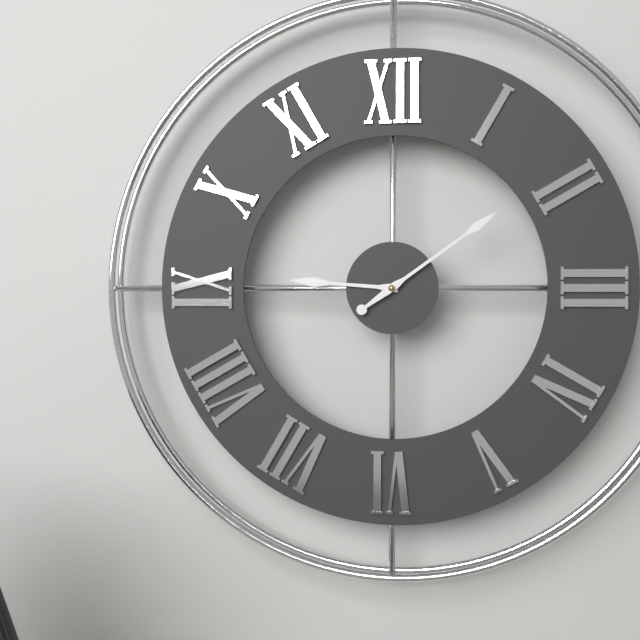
9,09
